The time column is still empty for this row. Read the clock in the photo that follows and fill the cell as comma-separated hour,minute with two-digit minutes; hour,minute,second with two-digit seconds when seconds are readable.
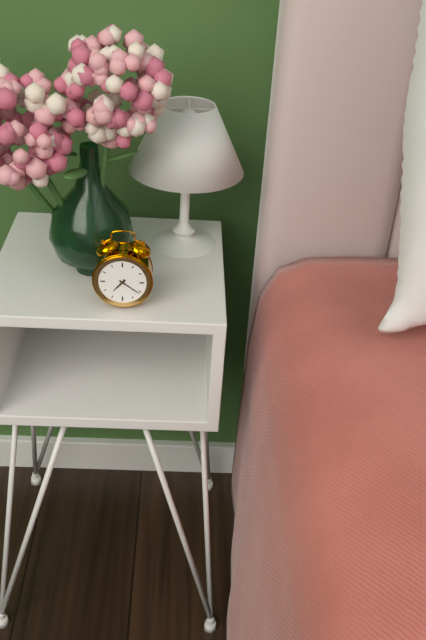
7,21
